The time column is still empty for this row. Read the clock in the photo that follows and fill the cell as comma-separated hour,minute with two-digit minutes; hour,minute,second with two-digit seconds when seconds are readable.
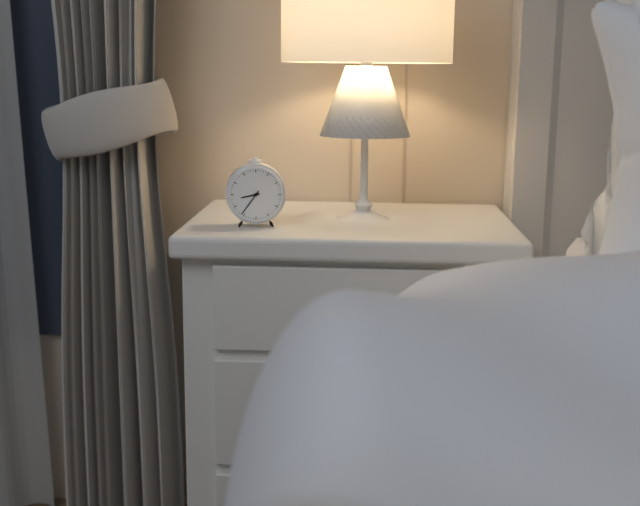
8,36
